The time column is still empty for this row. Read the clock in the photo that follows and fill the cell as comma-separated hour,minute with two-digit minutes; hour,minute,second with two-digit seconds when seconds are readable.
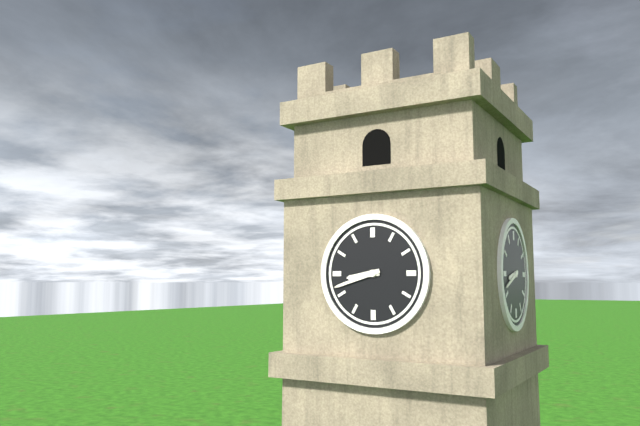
8,42
